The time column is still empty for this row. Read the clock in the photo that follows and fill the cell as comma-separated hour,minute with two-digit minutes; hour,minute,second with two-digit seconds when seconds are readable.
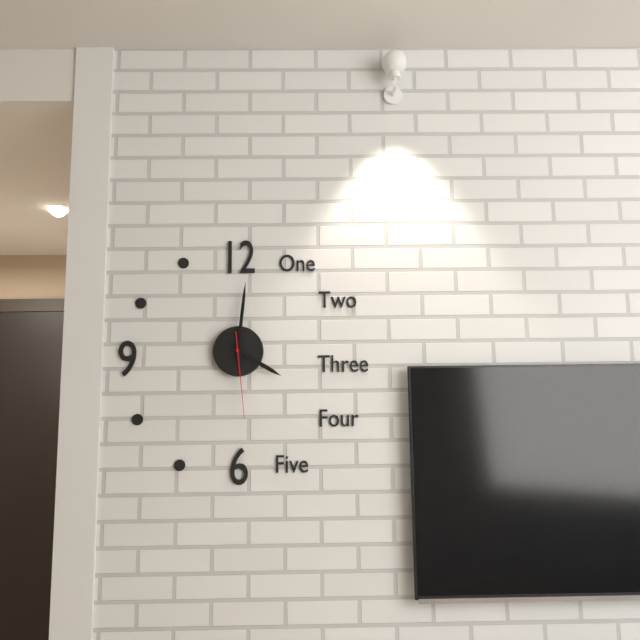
4,01,29
